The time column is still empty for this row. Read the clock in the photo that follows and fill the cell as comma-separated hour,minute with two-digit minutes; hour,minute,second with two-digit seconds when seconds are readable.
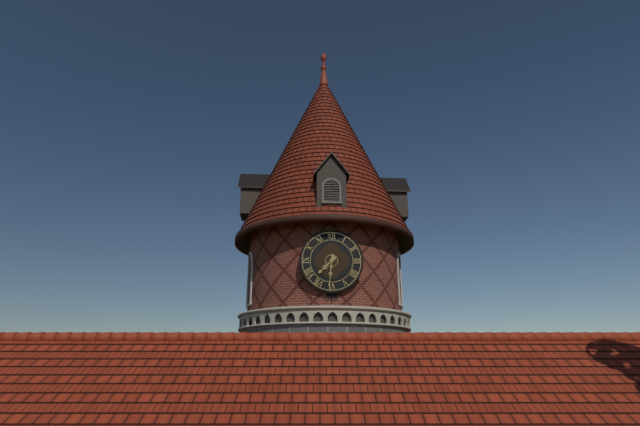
7,31
